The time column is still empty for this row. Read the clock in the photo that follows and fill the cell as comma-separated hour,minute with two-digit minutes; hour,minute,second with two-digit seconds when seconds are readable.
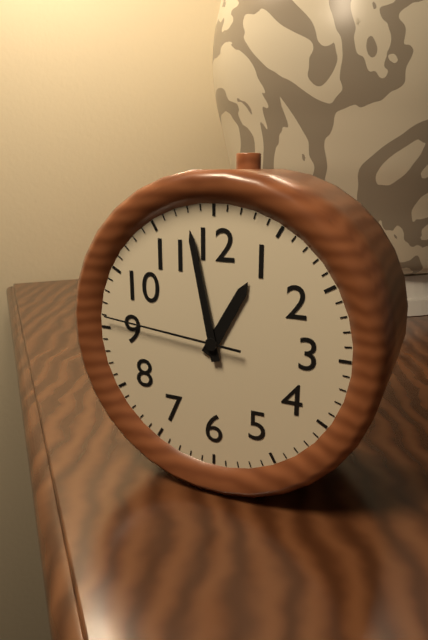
12,58,46
